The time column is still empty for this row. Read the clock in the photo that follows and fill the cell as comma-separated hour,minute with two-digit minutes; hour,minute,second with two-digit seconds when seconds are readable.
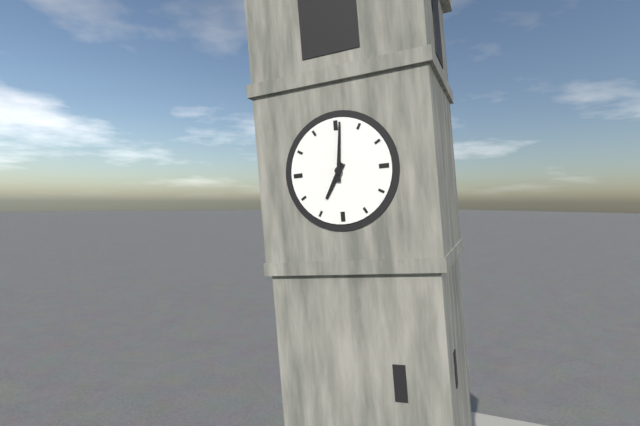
7,01
